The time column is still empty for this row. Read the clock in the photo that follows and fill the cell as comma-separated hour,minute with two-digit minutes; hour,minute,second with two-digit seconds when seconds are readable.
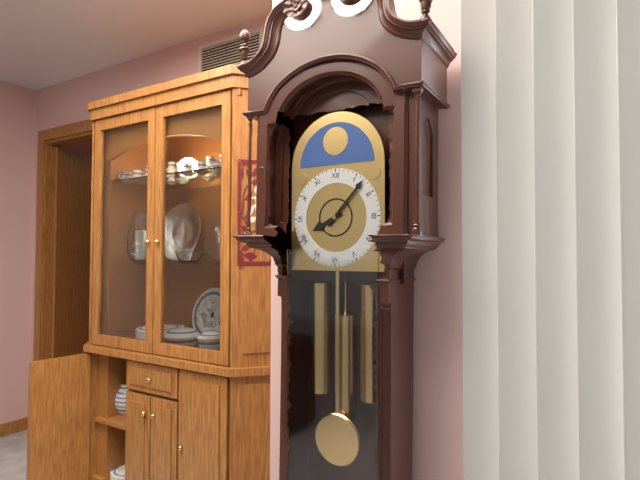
8,07
